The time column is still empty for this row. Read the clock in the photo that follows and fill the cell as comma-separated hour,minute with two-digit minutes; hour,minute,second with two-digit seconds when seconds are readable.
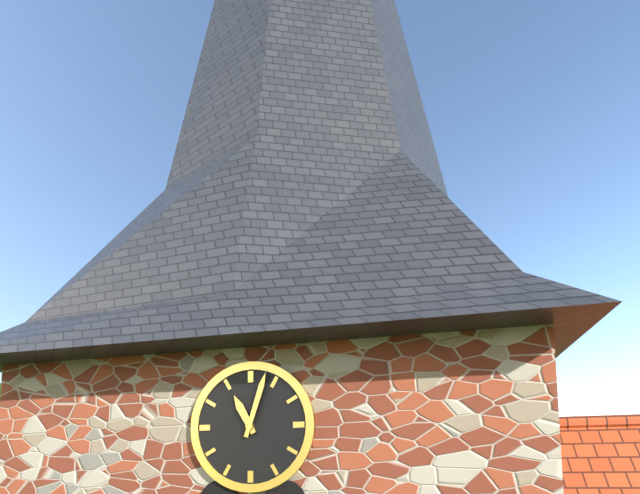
11,03
